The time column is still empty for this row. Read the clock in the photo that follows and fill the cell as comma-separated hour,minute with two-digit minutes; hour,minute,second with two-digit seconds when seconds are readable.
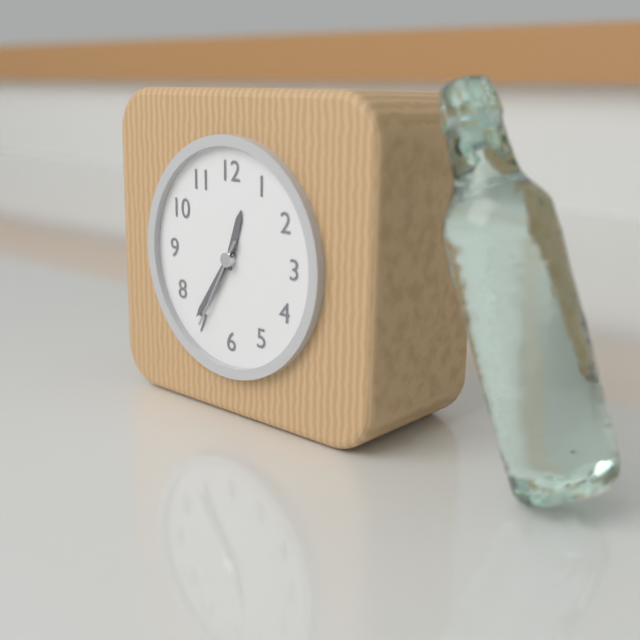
12,36,35
